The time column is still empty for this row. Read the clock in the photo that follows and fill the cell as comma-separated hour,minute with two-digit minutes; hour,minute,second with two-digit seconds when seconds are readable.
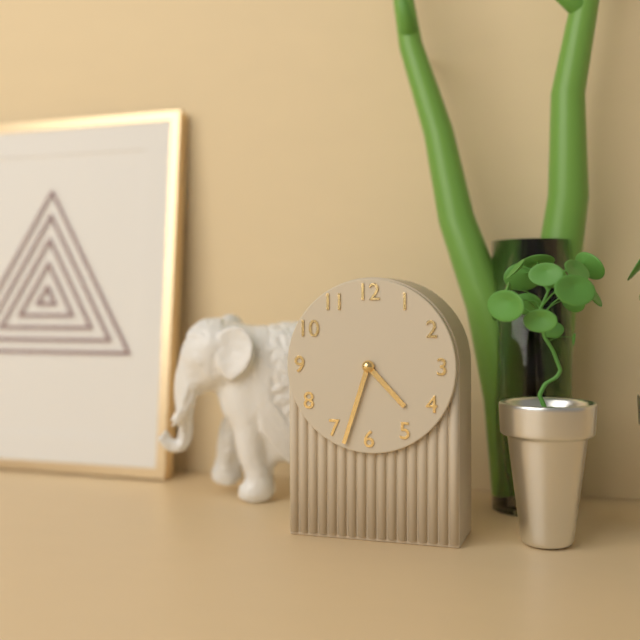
4,33
